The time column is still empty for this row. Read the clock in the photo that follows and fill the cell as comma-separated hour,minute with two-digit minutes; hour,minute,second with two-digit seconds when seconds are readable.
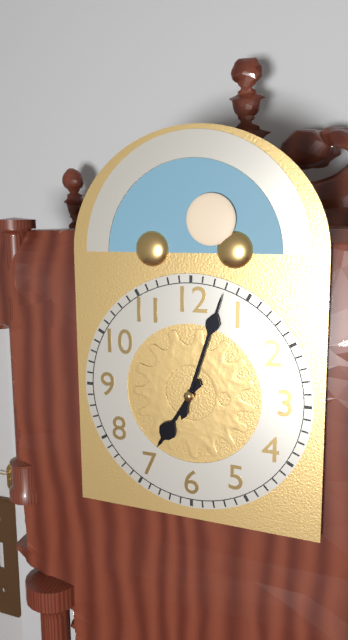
7,03
